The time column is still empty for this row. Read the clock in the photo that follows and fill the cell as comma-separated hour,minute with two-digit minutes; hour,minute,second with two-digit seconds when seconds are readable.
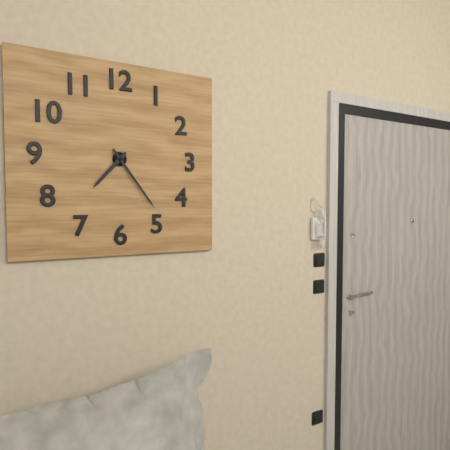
7,24
